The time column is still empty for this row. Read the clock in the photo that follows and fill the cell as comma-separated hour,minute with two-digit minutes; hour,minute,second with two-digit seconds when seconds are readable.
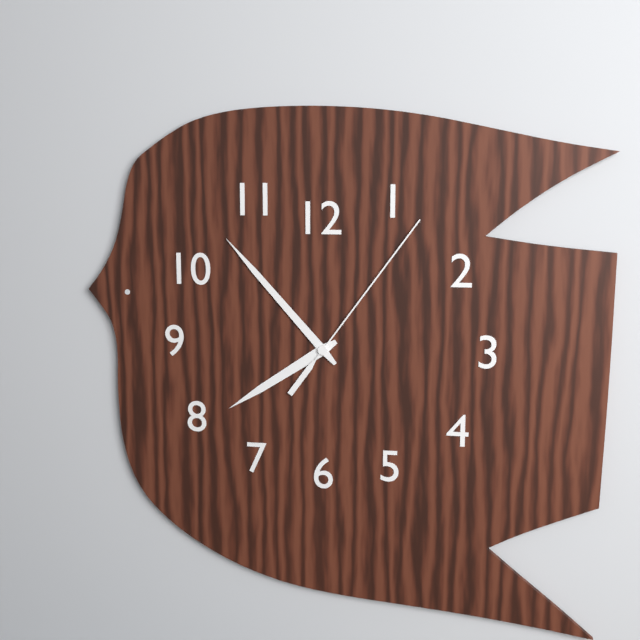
7,53,06
